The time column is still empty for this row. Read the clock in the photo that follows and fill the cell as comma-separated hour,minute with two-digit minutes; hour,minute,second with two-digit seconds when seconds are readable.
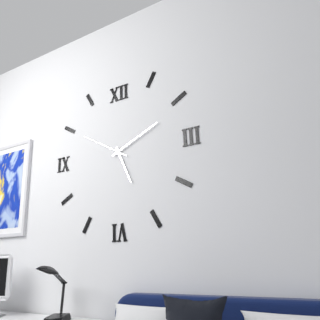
5,11
